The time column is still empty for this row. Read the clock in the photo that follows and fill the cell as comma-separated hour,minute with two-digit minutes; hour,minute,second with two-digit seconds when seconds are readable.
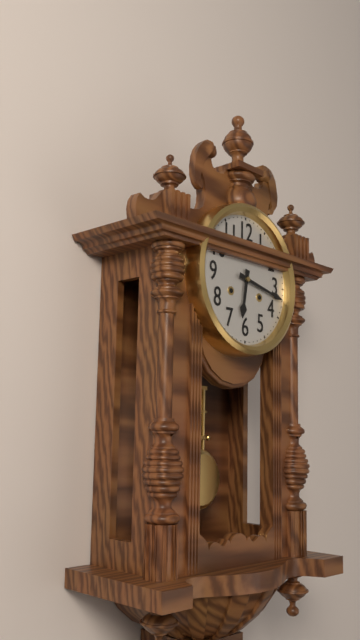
6,17
